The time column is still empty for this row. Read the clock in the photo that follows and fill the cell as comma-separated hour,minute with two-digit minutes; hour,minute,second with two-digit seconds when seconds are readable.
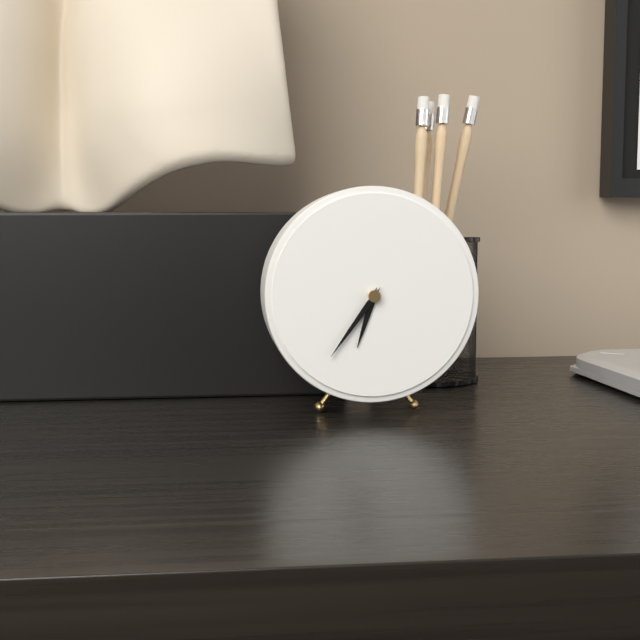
6,36
